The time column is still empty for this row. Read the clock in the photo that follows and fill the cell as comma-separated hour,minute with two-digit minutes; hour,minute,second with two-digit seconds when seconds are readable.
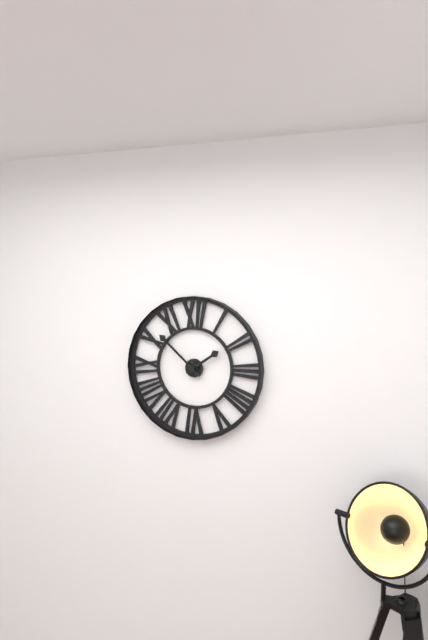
1,52
